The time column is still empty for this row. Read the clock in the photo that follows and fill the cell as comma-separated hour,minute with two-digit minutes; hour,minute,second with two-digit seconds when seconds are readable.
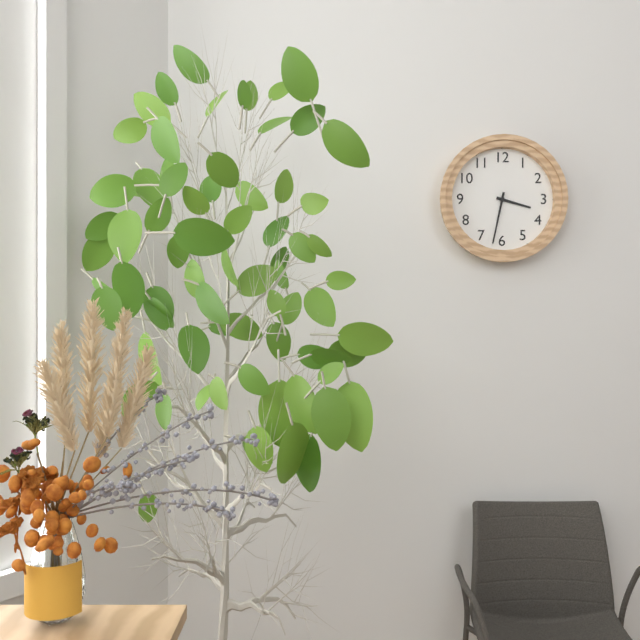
3,32
